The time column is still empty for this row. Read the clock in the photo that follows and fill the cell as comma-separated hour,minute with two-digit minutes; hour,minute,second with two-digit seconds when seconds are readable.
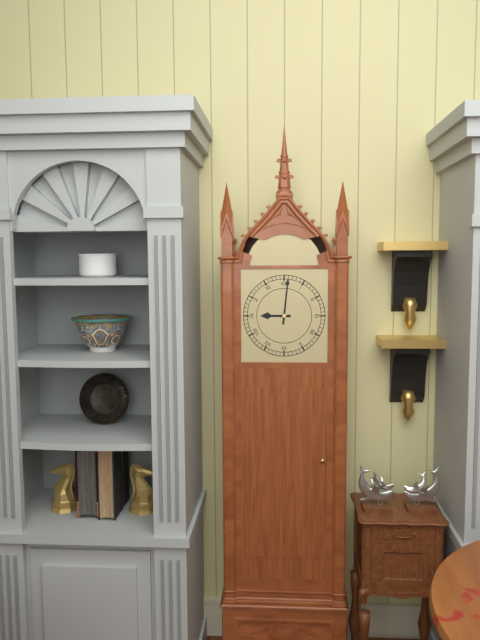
9,01
